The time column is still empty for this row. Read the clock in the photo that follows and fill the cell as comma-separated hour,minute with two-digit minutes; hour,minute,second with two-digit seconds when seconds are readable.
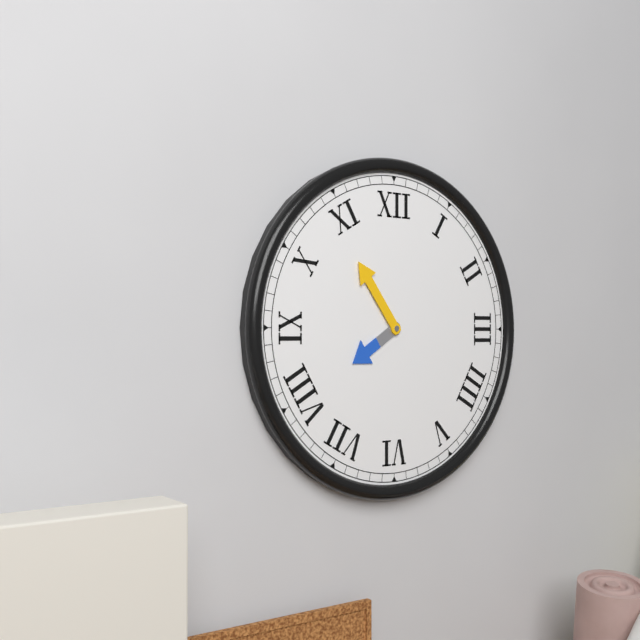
7,54
